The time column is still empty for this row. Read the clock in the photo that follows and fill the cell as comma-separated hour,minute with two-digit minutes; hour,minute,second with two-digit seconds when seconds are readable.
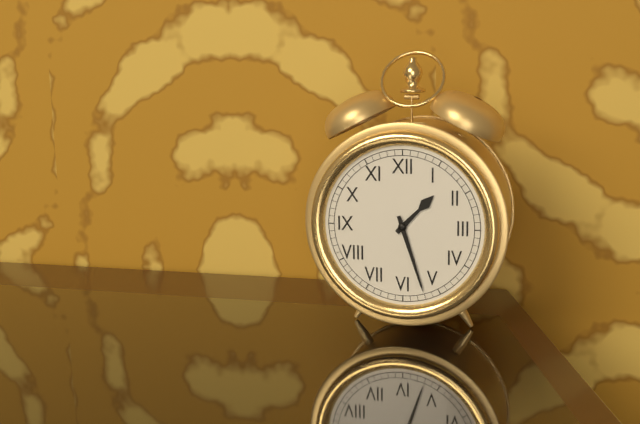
1,27
